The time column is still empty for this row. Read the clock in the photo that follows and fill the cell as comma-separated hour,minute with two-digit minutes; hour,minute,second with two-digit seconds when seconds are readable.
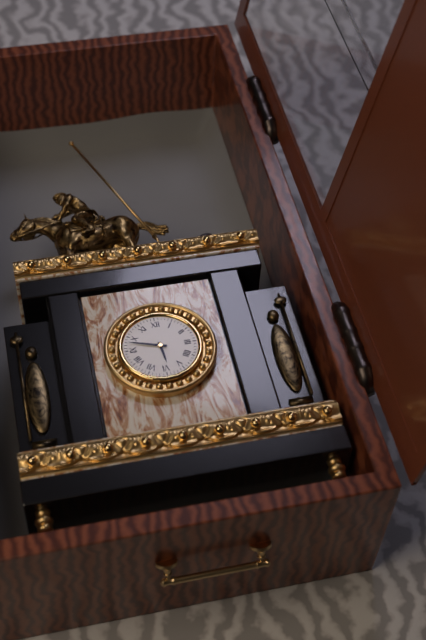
5,48
